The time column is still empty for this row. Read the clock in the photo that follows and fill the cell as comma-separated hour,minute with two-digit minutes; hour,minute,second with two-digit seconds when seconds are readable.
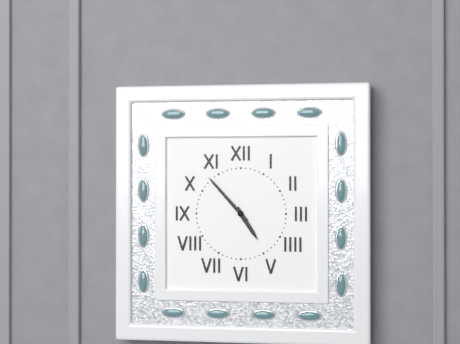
4,53
